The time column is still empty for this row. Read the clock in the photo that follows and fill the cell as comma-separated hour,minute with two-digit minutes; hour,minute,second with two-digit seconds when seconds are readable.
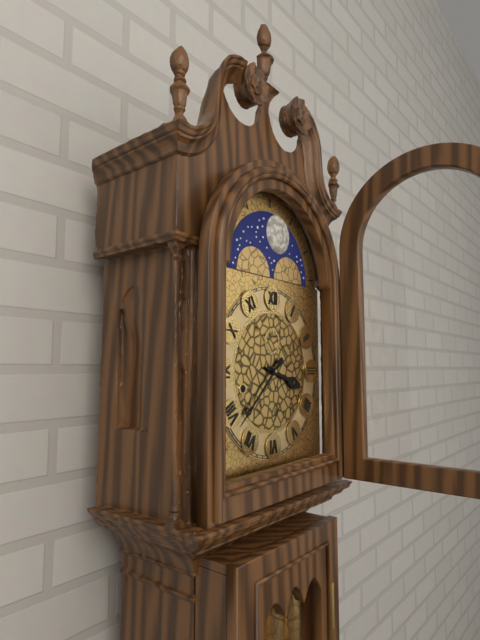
3,38
